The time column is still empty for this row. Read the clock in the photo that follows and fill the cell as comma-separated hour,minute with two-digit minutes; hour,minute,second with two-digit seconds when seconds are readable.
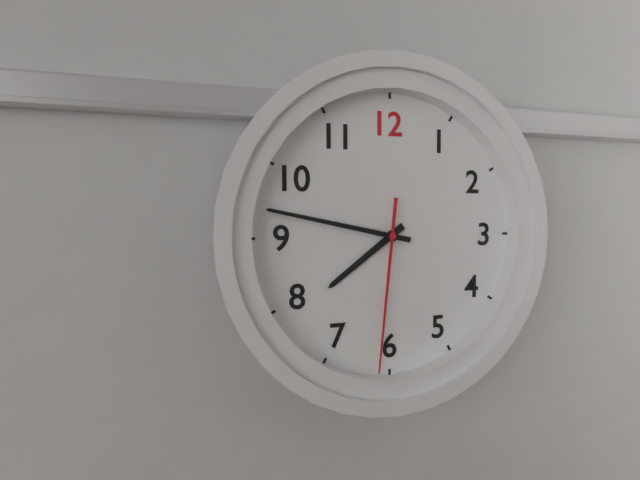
7,47,31
